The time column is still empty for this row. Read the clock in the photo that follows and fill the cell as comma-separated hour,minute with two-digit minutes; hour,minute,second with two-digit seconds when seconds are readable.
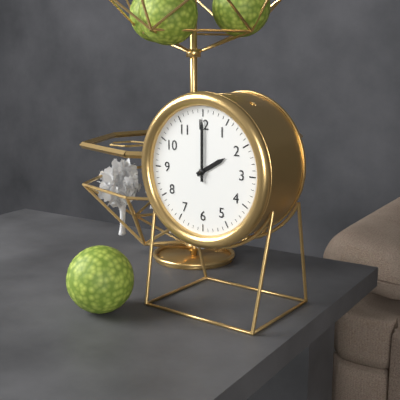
2,00
